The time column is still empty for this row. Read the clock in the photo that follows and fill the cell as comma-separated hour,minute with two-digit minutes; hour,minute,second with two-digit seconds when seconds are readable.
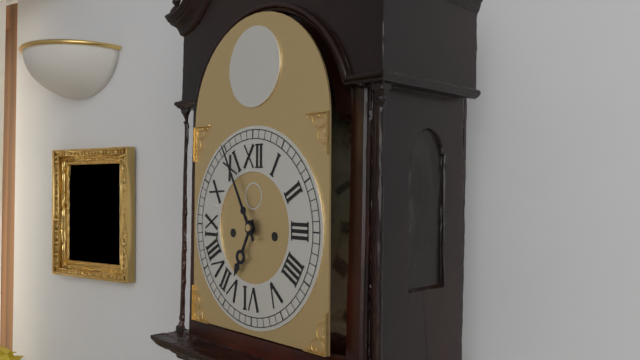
6,55
